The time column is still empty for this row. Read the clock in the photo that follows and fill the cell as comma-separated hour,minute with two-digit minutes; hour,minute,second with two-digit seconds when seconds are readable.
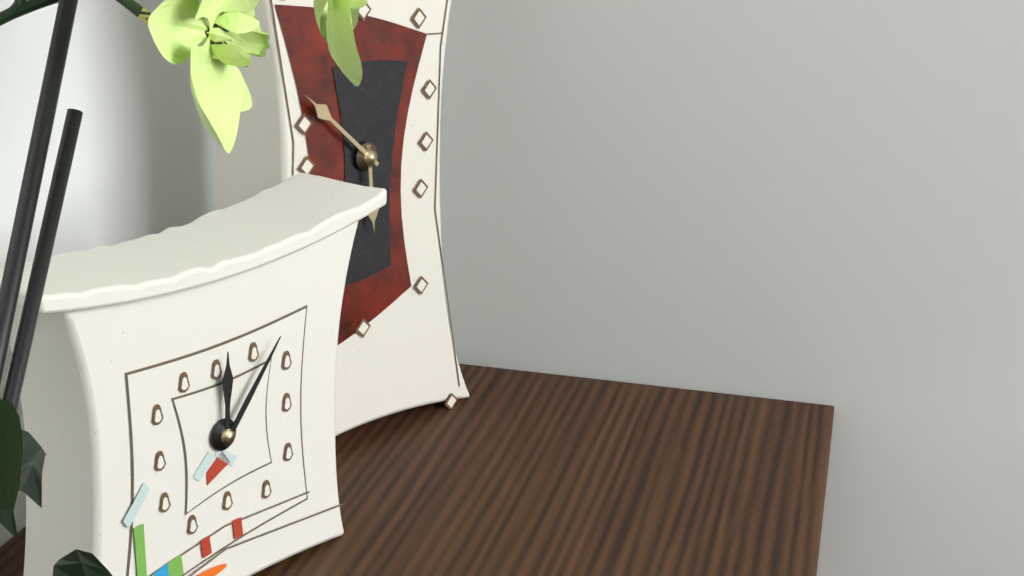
5,52
